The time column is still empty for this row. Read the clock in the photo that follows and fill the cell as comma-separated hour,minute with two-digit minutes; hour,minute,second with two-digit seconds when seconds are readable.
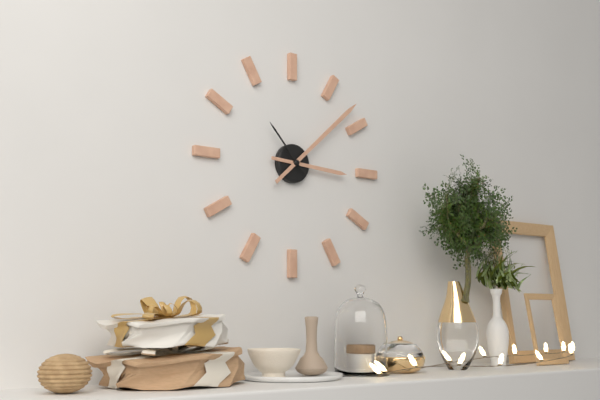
3,08,53
